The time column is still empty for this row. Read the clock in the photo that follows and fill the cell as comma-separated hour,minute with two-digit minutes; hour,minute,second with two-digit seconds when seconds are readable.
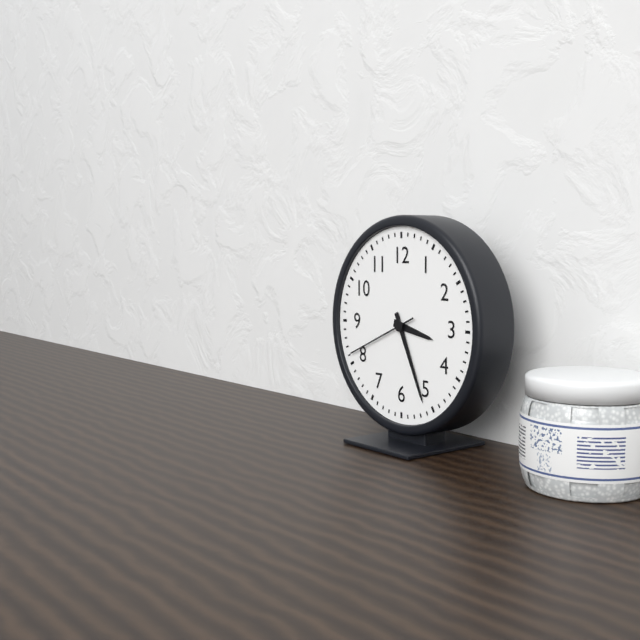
3,26,41
